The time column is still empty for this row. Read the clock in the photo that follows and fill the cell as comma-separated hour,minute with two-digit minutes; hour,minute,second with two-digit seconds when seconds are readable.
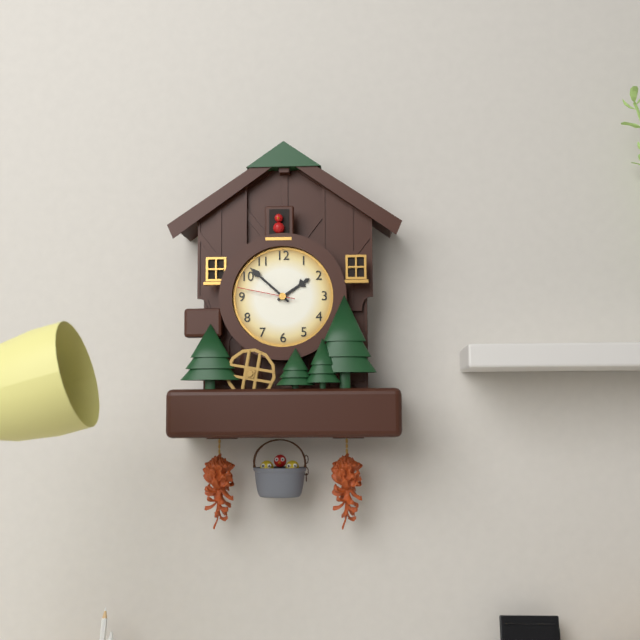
1,52,47
